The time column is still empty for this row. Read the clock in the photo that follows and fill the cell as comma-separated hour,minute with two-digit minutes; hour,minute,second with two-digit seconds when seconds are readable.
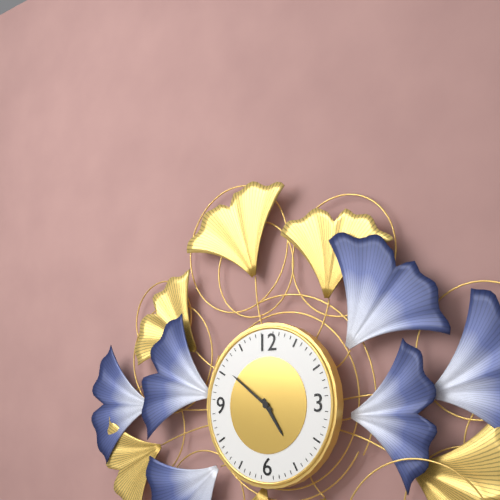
4,51
